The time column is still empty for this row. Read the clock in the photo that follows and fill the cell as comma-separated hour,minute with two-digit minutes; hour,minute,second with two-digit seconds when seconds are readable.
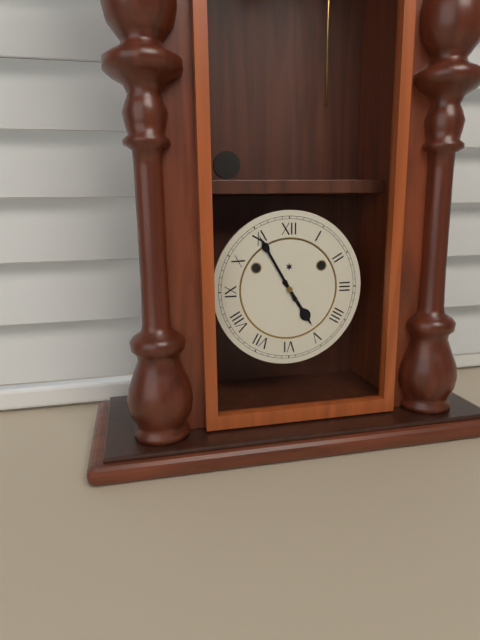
4,55
